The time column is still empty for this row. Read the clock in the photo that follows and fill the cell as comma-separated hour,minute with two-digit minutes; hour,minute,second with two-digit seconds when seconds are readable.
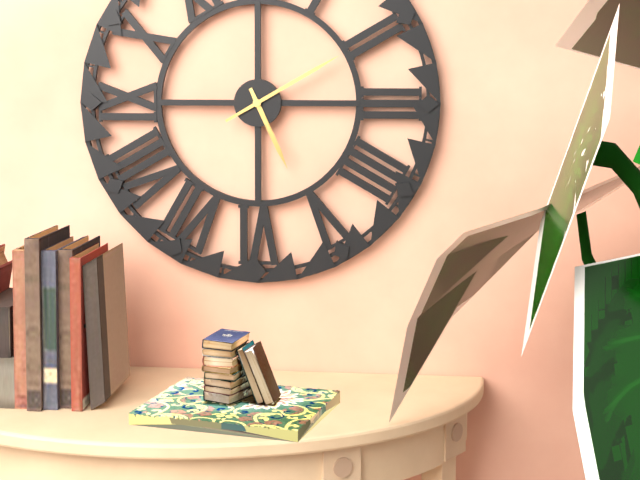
5,10
